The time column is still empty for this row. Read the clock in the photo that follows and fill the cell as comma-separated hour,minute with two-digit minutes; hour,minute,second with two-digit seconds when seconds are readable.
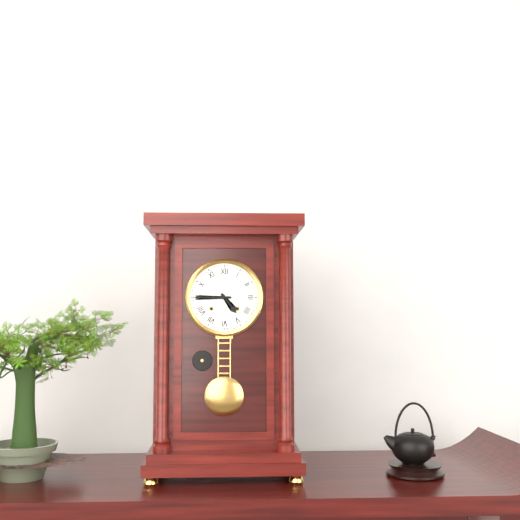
4,45
